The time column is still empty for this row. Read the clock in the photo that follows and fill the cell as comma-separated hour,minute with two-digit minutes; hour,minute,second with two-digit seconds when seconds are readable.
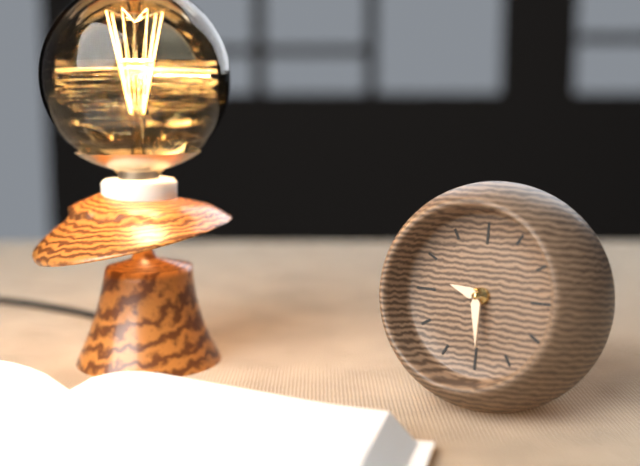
9,29
